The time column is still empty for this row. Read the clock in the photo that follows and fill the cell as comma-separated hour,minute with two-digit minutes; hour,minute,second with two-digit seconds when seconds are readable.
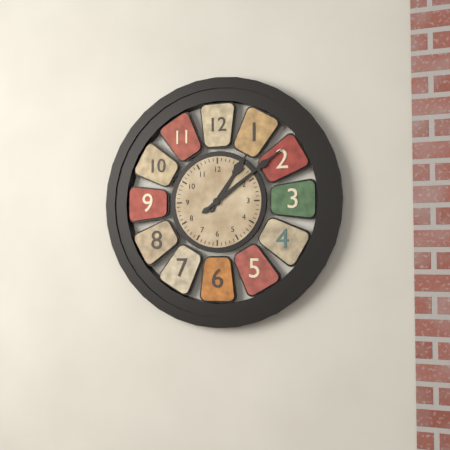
1,09
